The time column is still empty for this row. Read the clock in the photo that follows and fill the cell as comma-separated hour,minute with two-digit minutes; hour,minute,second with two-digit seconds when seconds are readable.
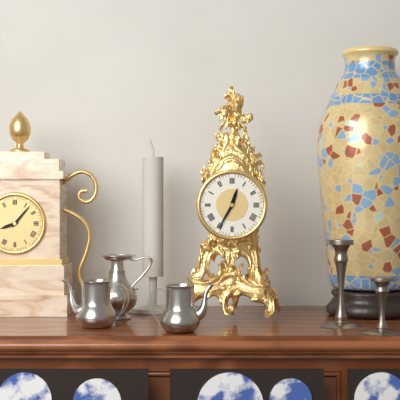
12,35
